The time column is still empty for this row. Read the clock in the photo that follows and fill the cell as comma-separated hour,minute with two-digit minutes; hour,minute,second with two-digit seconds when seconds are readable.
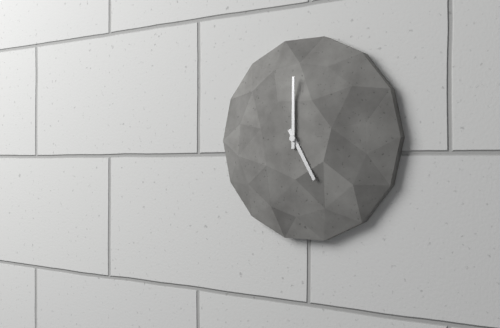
5,00
